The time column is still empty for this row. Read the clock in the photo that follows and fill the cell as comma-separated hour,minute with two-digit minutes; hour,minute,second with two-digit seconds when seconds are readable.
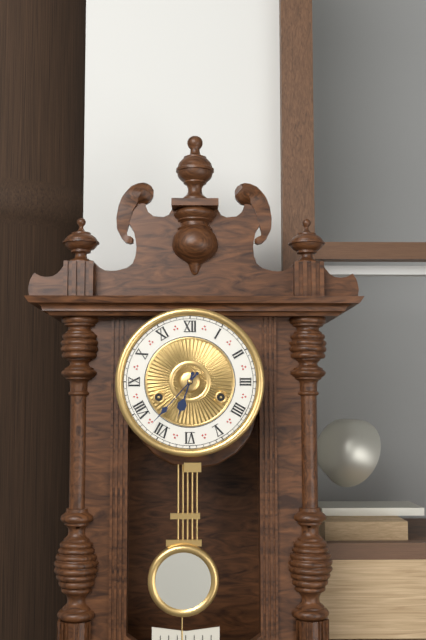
6,37
